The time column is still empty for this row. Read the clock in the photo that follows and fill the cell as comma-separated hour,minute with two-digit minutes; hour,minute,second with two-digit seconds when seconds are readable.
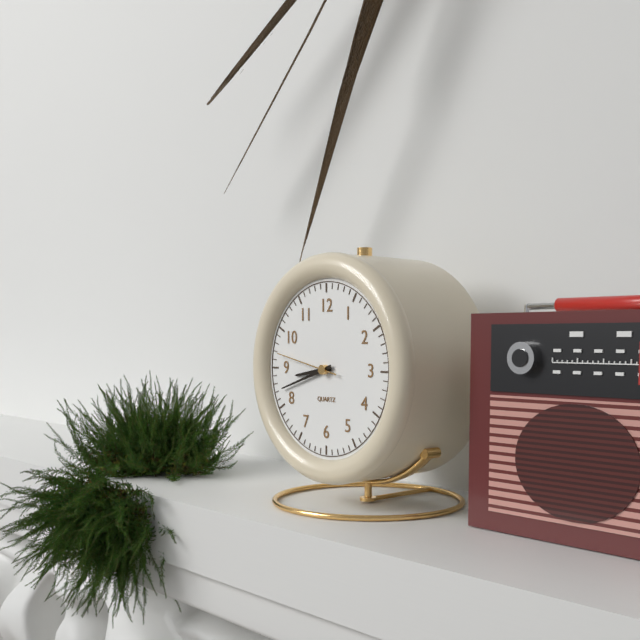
8,42,47
